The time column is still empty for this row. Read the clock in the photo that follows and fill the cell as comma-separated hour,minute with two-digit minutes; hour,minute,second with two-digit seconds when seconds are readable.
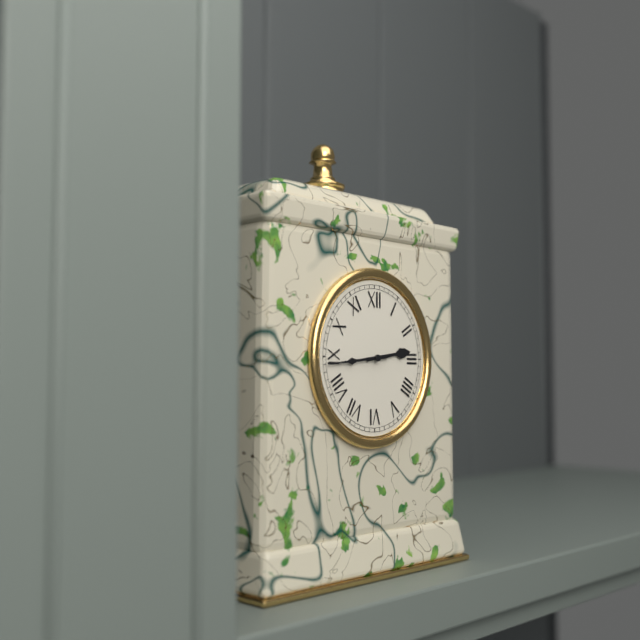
2,44
